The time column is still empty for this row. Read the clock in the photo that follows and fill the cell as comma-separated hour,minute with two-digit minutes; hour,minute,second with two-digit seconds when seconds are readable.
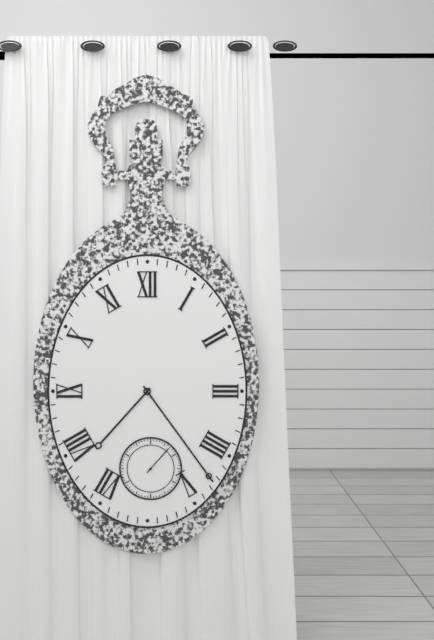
7,24
